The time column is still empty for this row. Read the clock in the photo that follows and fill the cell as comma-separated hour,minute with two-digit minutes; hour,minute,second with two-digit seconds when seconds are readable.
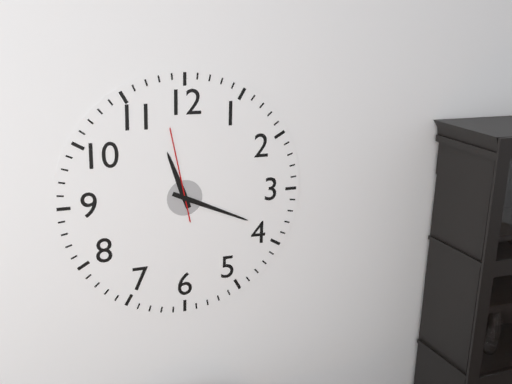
11,19,58
